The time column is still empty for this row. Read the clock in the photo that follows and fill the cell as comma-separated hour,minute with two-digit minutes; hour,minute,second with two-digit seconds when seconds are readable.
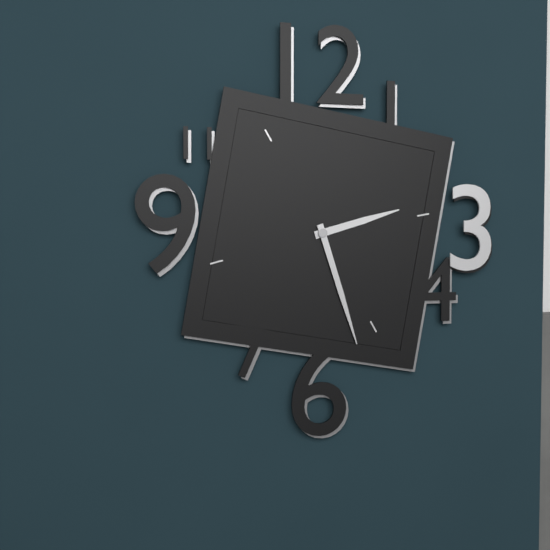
2,27
